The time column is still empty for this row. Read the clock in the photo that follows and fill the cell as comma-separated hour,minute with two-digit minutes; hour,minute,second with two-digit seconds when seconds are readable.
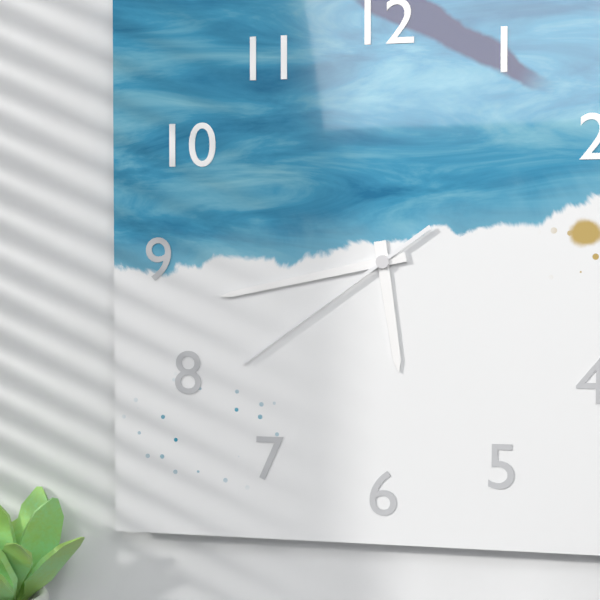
5,43,39
